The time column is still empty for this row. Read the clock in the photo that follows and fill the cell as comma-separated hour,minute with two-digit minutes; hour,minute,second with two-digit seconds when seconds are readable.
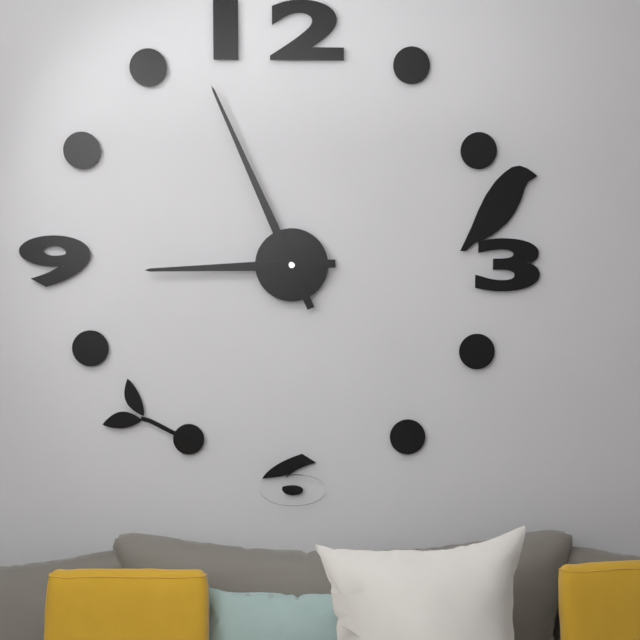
8,56
